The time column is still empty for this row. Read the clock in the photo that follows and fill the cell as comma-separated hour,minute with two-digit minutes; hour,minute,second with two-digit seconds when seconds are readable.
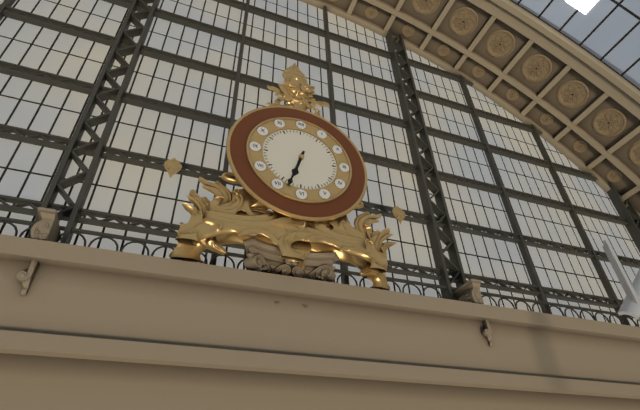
6,33
